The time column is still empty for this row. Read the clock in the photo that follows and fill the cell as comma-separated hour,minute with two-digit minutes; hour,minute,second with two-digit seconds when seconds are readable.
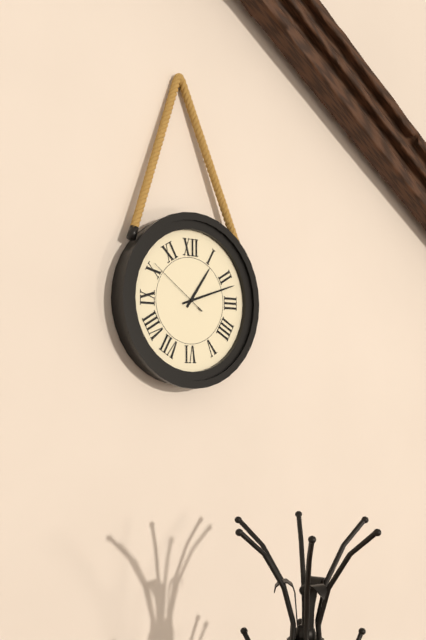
1,12,51
